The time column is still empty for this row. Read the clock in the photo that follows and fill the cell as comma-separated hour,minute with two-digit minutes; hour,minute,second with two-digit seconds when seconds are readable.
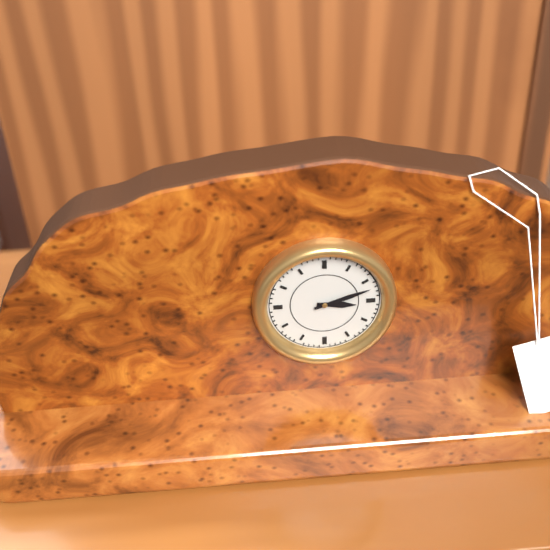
3,12
